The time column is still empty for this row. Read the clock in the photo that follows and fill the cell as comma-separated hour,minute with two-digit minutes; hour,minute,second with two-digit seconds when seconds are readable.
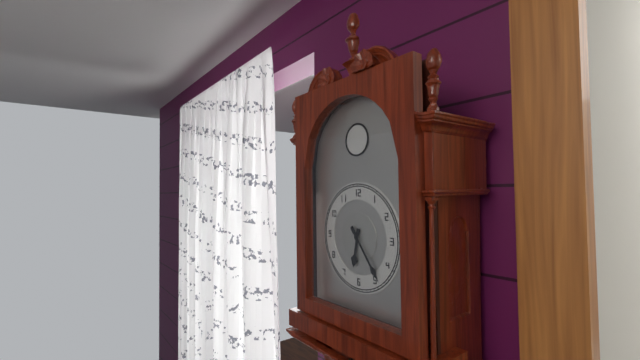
6,24
